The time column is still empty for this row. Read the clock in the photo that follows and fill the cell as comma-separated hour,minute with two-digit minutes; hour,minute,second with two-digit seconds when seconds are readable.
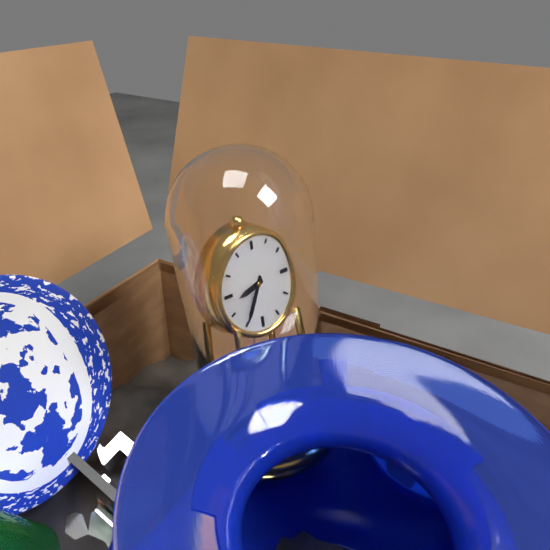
8,35
